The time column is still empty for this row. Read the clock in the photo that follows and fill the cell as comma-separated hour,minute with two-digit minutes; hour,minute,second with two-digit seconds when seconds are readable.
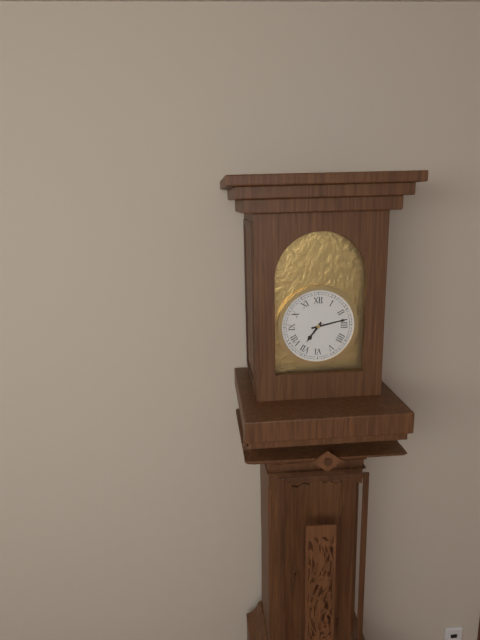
7,13
